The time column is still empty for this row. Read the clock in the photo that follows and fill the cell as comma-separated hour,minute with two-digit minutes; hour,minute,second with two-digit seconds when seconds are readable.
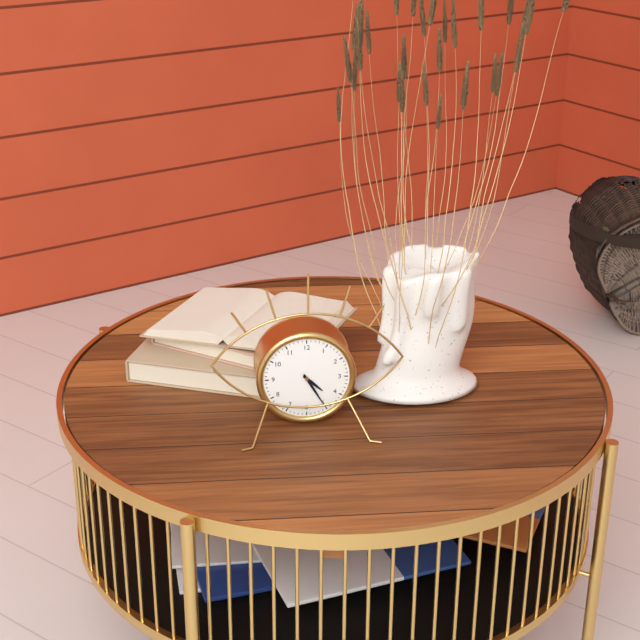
4,25
